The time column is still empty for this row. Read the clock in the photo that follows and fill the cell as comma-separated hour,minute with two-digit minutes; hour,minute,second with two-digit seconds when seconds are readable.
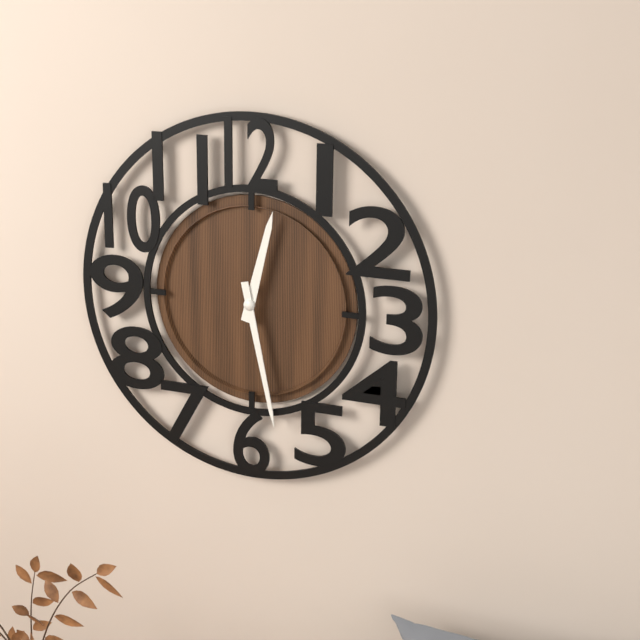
12,28
